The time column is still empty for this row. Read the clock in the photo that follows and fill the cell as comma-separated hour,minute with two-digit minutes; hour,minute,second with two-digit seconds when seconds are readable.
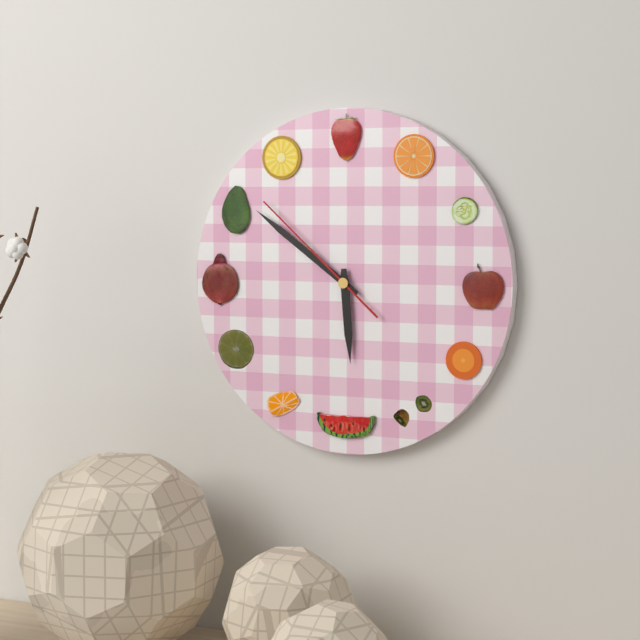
5,51,52
